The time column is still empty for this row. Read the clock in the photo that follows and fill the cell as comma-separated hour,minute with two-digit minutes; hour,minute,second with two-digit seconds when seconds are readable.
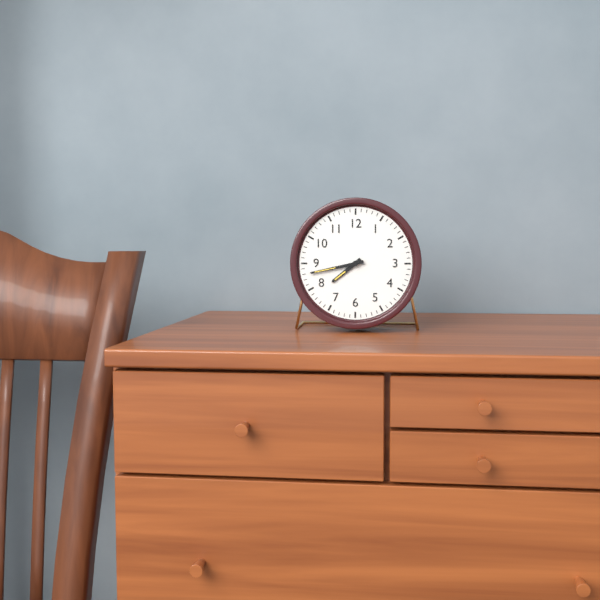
7,43
